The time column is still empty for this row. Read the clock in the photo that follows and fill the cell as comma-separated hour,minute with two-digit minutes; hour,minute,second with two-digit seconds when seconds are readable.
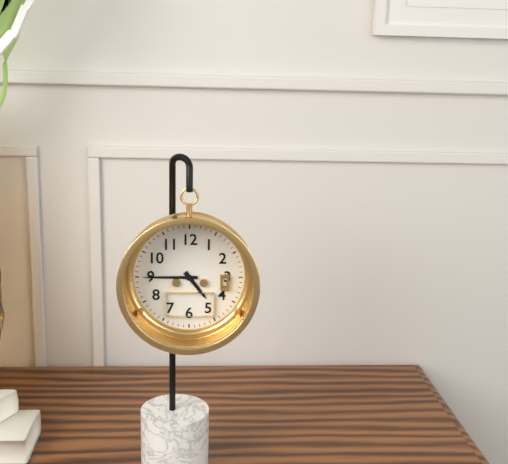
4,45
